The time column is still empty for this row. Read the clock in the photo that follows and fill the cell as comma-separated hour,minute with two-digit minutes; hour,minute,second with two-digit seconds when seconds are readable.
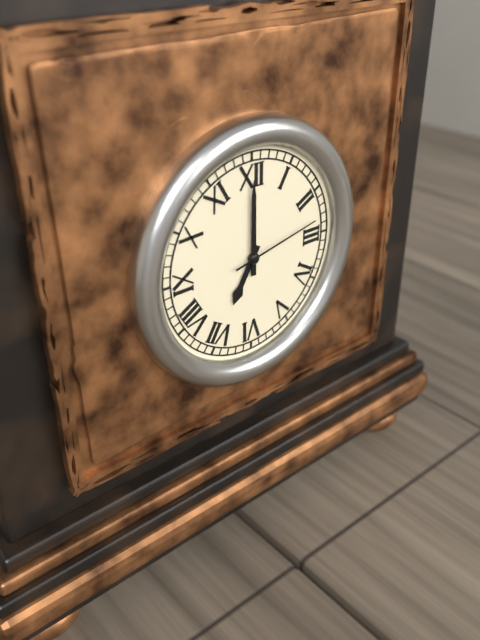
7,00,13
